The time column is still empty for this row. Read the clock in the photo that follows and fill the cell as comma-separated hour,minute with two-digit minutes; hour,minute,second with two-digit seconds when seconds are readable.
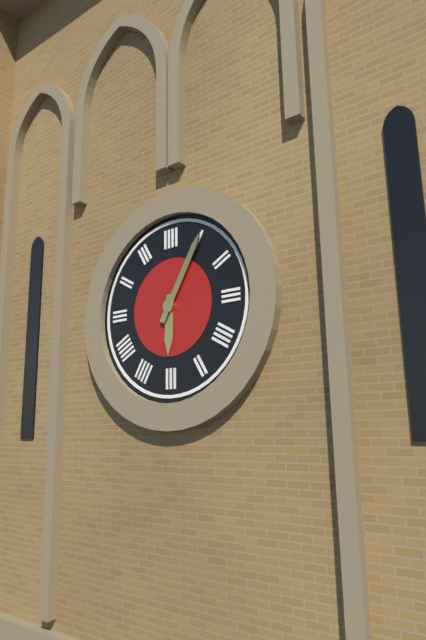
6,05
